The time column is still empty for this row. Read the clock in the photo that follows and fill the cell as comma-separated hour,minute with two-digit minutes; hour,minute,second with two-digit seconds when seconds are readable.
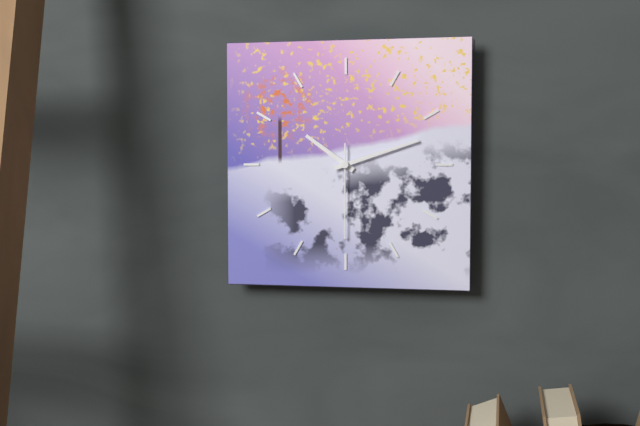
10,12,30
